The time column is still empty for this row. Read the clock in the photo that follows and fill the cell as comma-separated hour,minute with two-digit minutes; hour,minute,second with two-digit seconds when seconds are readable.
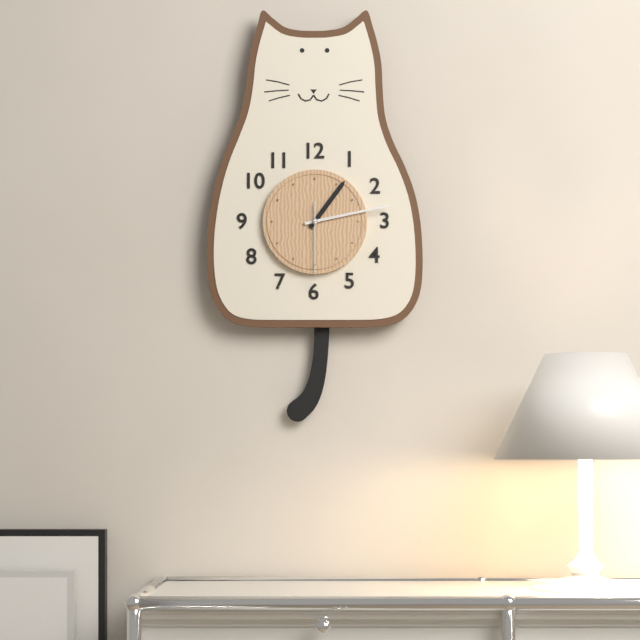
1,13,30
